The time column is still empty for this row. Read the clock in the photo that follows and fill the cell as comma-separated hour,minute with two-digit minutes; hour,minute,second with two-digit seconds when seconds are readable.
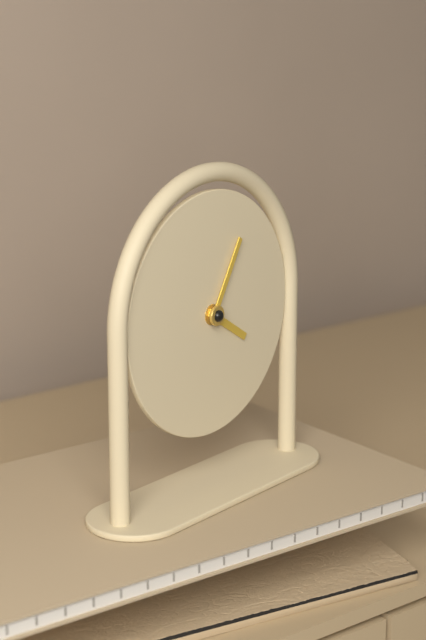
4,05
